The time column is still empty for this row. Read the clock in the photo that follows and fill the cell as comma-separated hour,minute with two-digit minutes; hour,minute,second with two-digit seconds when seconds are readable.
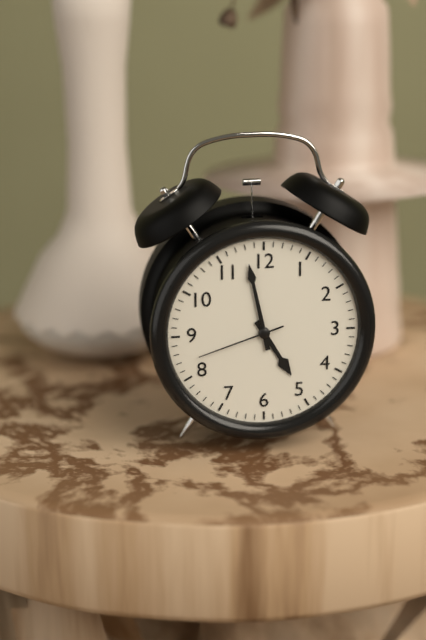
4,58,42
